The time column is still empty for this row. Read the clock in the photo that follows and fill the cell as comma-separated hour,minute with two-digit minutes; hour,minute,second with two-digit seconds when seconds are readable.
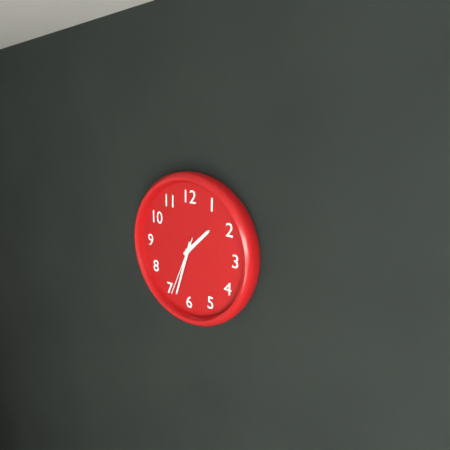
1,33,34
